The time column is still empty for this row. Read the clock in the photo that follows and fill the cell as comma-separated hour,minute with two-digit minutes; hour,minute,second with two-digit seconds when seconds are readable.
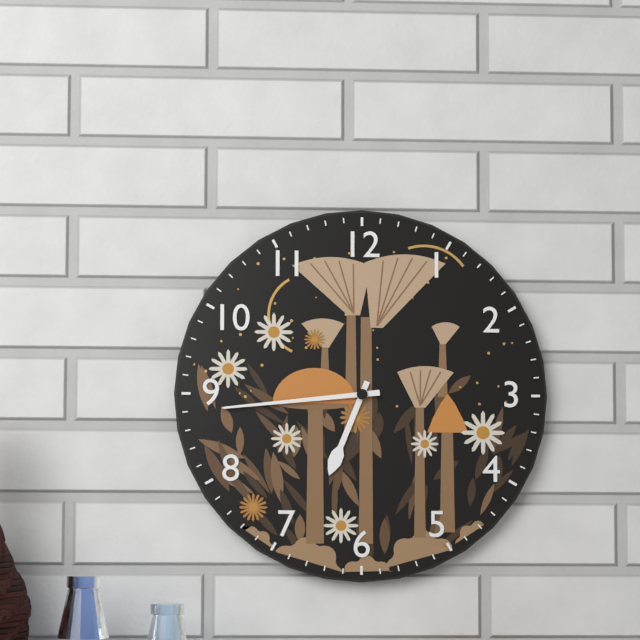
6,44
